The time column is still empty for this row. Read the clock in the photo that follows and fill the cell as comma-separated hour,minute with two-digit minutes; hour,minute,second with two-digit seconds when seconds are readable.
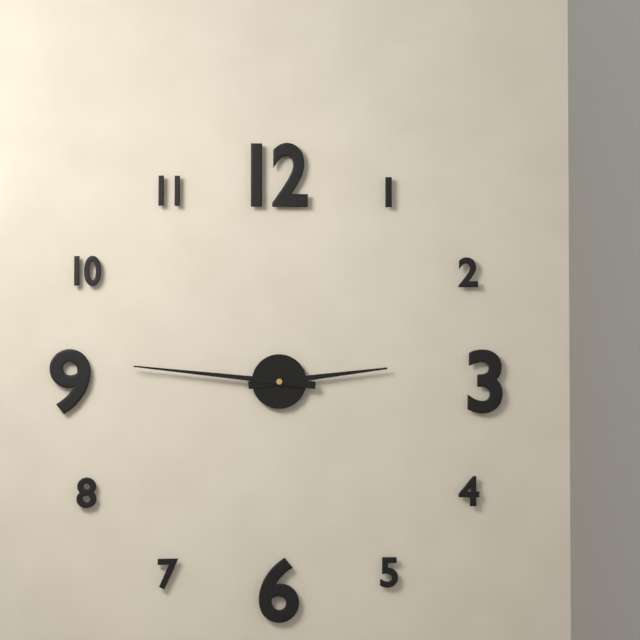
2,46
